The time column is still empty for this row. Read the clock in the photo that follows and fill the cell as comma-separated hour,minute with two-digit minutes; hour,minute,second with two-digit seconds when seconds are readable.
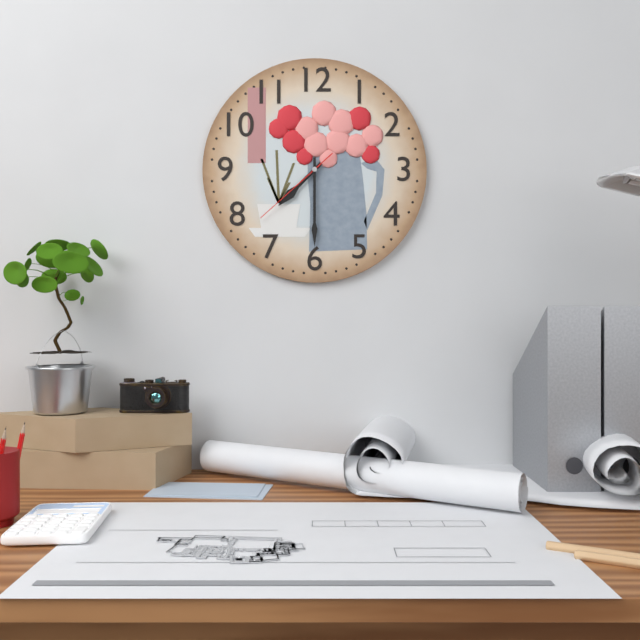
7,30,38
